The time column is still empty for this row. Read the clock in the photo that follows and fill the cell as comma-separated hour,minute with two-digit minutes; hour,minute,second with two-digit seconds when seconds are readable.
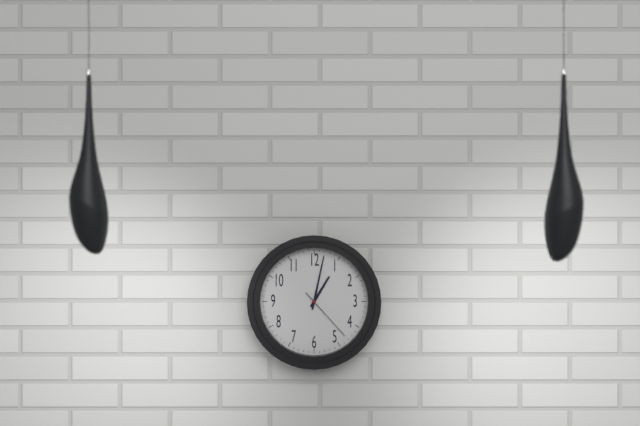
1,02,23
